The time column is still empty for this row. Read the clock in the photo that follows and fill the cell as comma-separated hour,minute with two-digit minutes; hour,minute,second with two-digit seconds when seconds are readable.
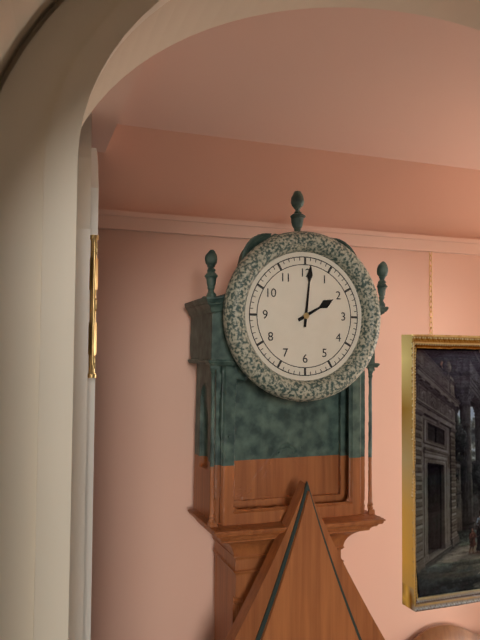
2,01
